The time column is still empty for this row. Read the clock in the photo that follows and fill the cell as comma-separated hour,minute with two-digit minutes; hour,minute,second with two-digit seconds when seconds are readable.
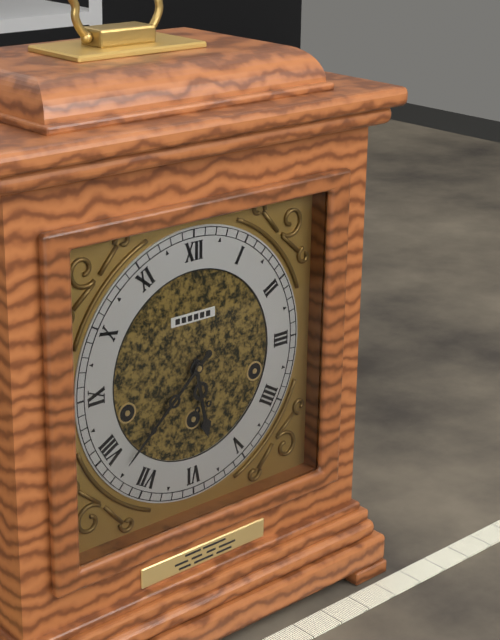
5,38
